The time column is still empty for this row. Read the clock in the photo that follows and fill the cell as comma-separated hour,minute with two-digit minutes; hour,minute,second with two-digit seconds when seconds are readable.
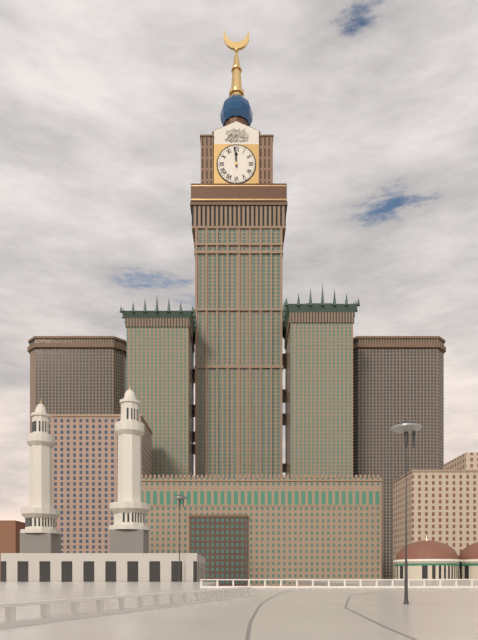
11,59
